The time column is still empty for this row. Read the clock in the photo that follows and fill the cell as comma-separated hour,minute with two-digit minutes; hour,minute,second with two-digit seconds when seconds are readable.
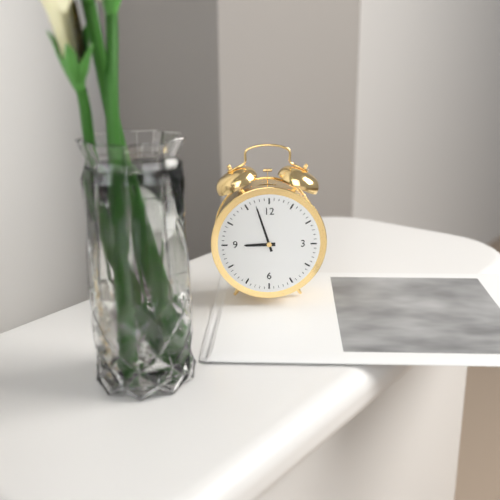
8,57
